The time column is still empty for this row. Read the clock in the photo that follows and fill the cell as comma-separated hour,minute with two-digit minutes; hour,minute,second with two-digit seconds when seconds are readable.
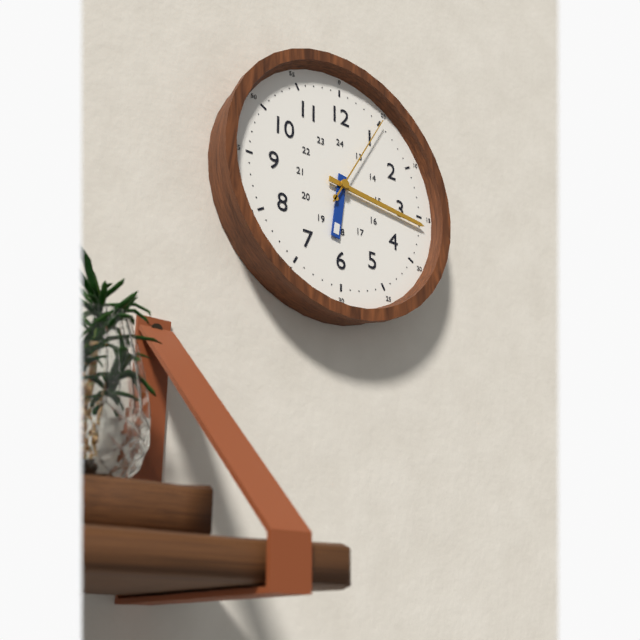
6,16,05
